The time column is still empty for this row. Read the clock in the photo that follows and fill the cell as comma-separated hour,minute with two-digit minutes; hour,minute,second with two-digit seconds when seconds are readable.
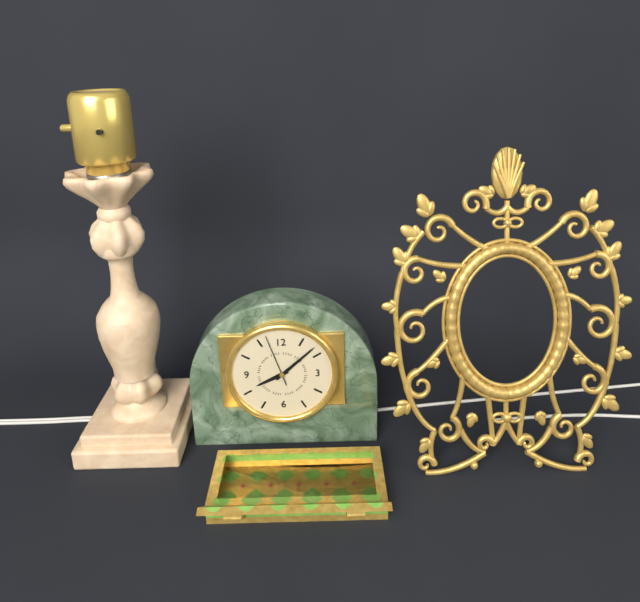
8,08,57
